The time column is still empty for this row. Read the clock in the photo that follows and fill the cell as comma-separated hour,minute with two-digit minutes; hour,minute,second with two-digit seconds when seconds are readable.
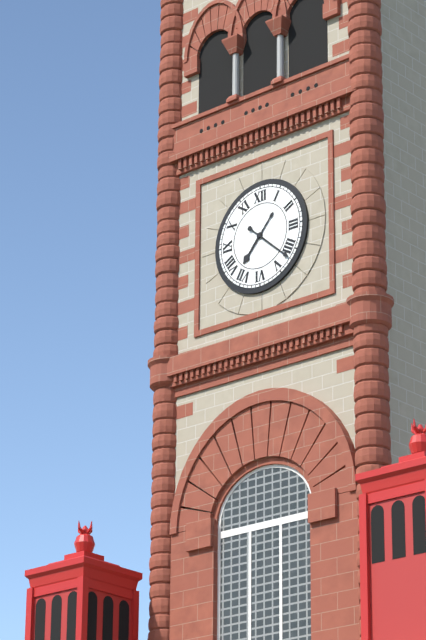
7,22
